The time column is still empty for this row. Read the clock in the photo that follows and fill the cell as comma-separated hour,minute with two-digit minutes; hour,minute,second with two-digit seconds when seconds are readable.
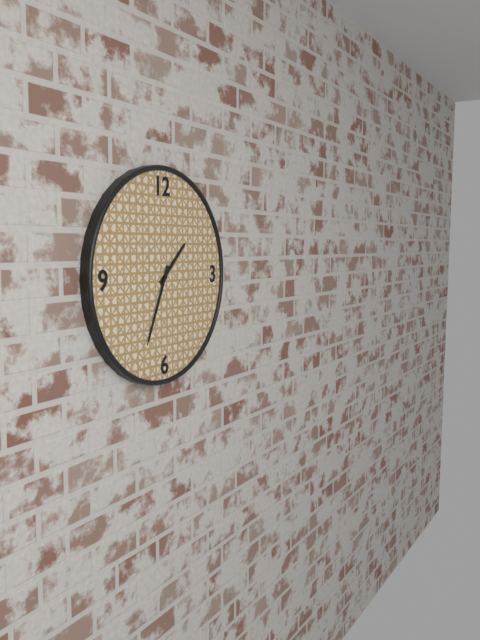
1,34
